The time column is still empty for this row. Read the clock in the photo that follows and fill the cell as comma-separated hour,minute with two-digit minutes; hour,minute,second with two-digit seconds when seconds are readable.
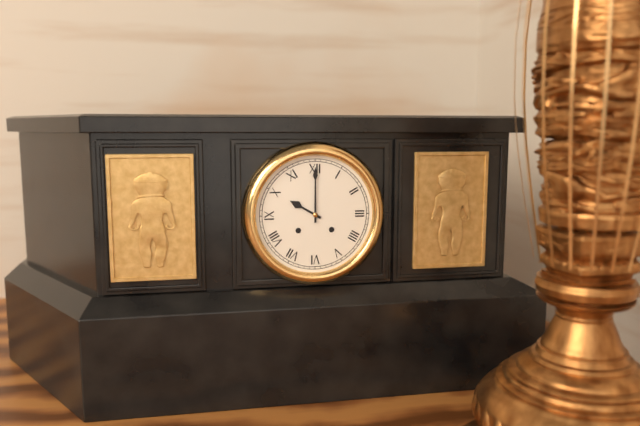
10,00
